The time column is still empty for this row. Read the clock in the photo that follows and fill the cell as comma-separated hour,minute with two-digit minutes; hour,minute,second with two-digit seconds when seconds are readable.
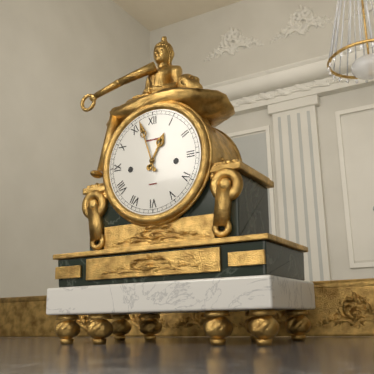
12,57
